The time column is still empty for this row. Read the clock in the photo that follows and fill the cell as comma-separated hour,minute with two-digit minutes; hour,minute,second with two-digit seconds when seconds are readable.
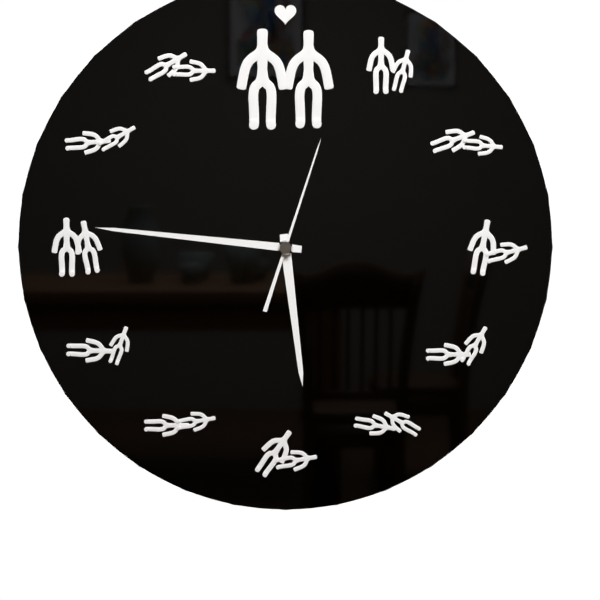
5,46,03
